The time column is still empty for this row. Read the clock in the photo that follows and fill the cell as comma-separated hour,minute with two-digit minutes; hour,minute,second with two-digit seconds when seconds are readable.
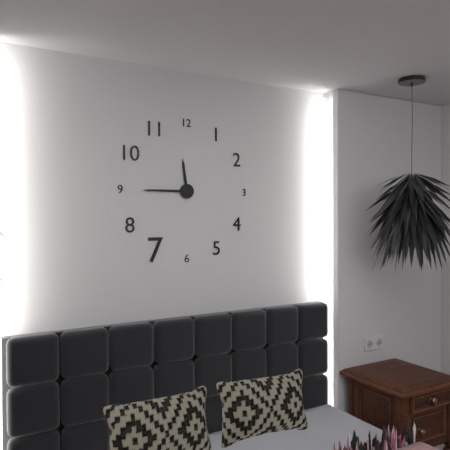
11,45
